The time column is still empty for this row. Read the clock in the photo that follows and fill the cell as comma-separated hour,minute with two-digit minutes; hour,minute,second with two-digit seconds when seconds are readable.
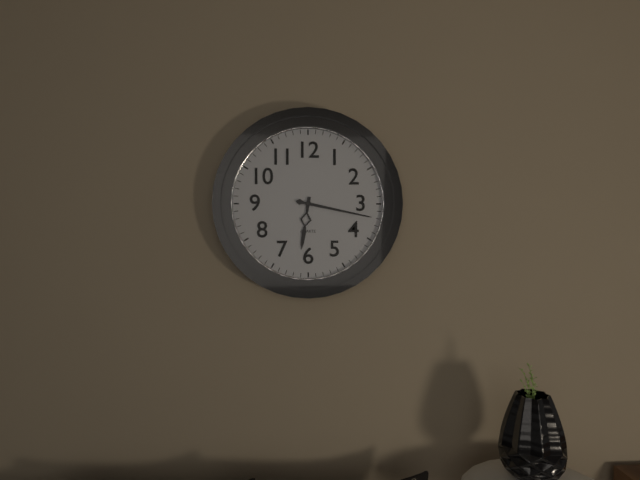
6,17
